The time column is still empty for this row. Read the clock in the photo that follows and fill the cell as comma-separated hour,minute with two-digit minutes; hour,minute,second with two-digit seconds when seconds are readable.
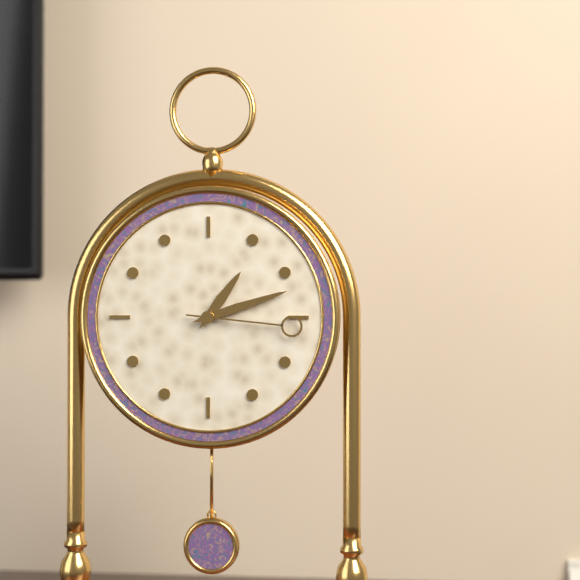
1,12,16
